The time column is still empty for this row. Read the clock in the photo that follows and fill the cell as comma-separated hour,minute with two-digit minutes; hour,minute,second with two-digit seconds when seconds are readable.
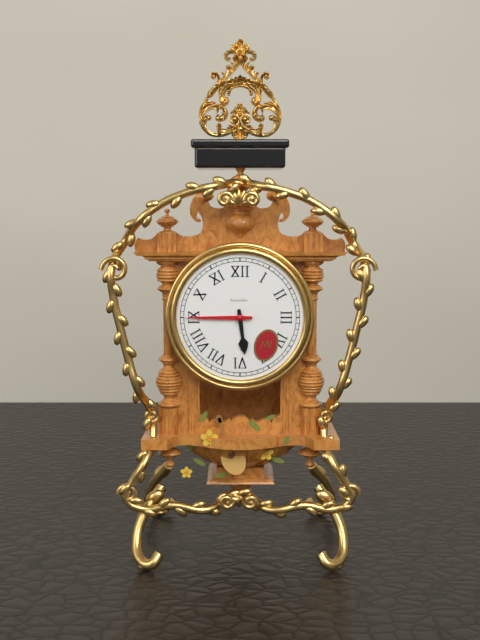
5,45
